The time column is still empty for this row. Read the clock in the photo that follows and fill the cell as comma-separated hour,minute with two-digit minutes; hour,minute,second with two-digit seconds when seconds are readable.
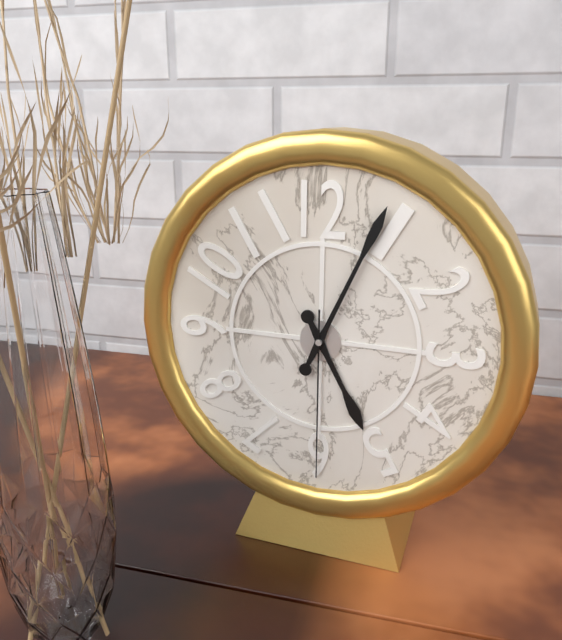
5,04,30
